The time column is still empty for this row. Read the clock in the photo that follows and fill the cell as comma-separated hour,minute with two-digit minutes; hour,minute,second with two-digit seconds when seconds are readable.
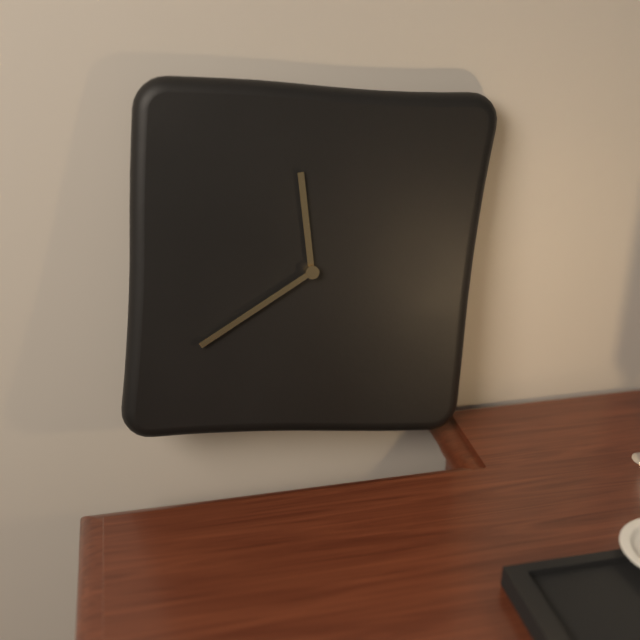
11,39
